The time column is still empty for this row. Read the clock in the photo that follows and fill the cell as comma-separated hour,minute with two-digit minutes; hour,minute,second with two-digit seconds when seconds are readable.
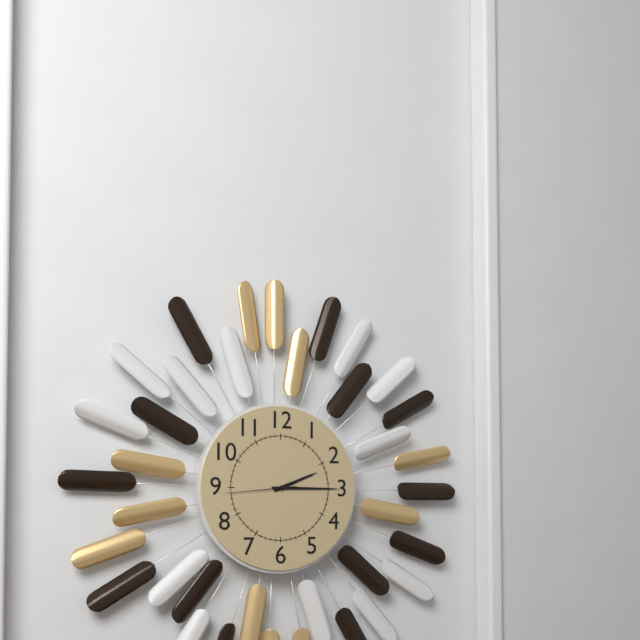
2,15,44
